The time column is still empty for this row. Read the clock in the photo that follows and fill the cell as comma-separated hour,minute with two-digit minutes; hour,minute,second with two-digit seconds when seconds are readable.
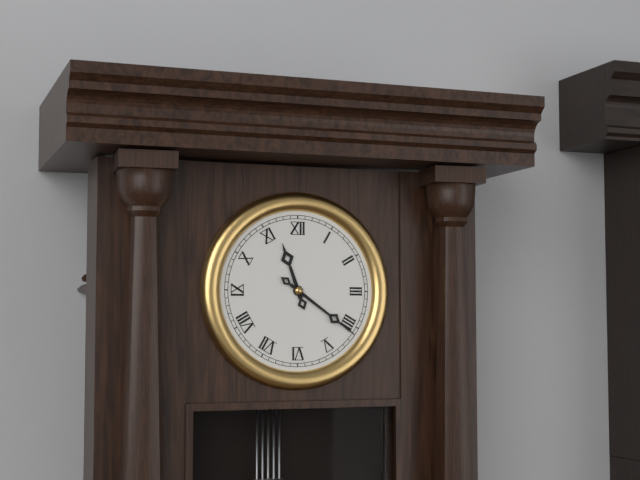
11,21
